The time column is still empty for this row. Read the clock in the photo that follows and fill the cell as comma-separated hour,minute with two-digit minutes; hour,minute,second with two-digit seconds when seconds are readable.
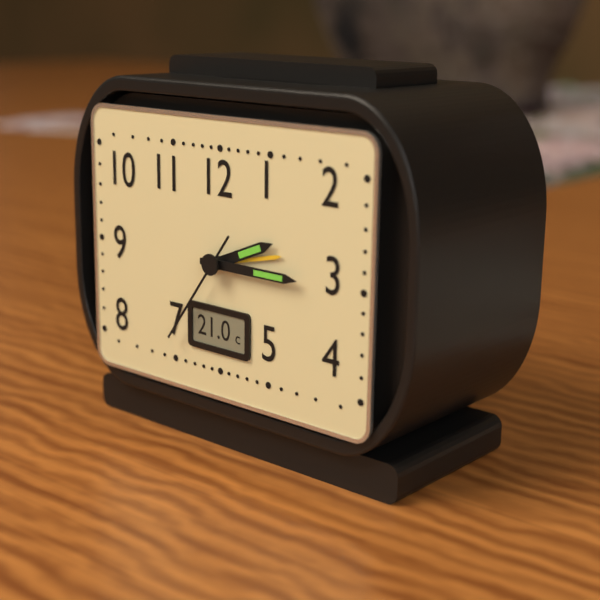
2,15,36
